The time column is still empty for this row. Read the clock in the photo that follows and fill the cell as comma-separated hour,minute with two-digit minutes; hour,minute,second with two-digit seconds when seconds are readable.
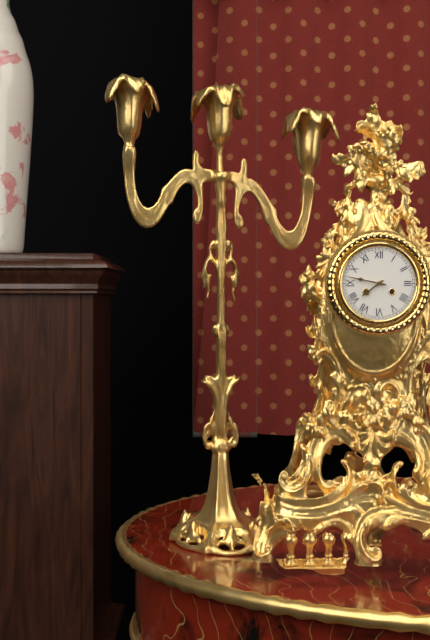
7,47
